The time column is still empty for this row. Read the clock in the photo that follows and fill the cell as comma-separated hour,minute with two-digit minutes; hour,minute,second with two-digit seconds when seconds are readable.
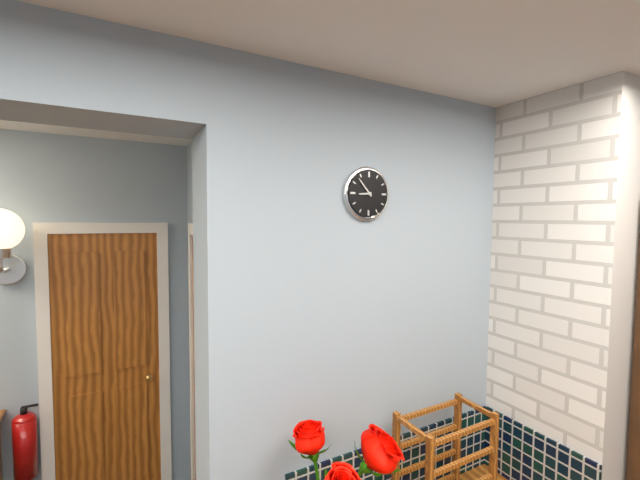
8,53
